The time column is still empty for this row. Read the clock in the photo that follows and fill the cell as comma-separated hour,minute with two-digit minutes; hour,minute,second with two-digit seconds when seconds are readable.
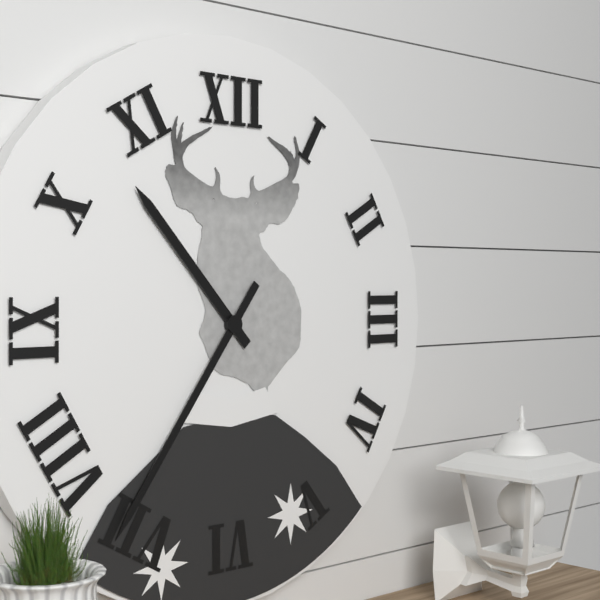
10,36
